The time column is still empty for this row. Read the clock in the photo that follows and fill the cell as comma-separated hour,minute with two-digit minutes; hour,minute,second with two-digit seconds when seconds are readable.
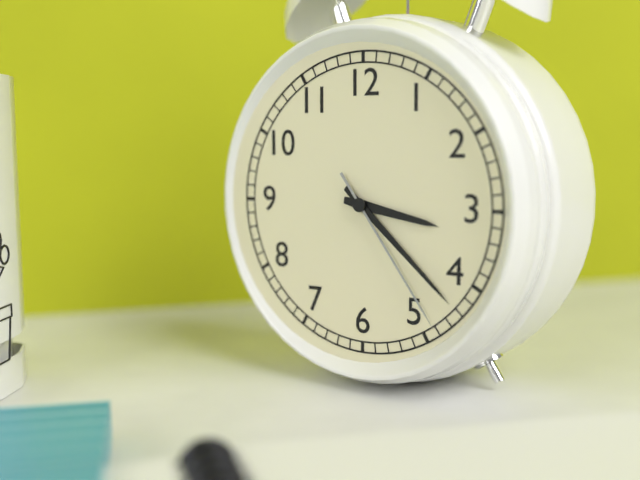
3,22,24
